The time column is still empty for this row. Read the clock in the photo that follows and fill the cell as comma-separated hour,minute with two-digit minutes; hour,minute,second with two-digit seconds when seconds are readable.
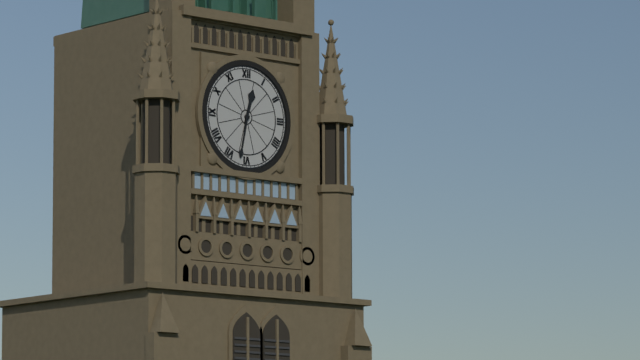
12,32
